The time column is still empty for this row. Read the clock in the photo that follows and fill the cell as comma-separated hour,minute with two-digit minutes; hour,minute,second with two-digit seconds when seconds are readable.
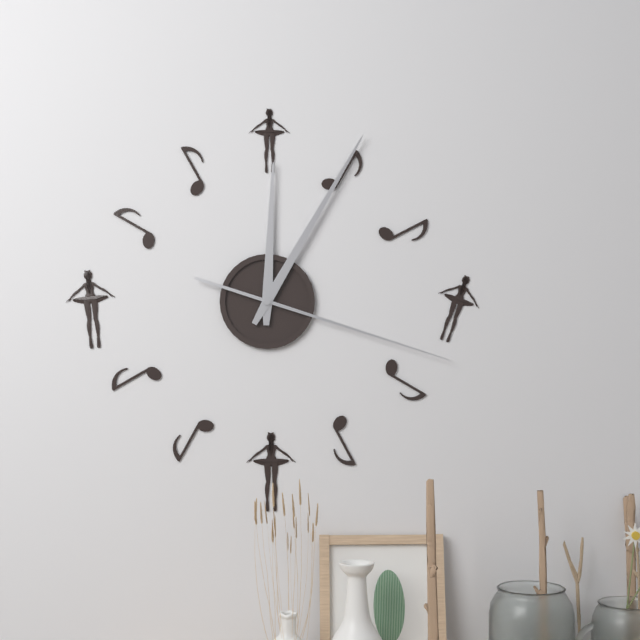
12,05,18
